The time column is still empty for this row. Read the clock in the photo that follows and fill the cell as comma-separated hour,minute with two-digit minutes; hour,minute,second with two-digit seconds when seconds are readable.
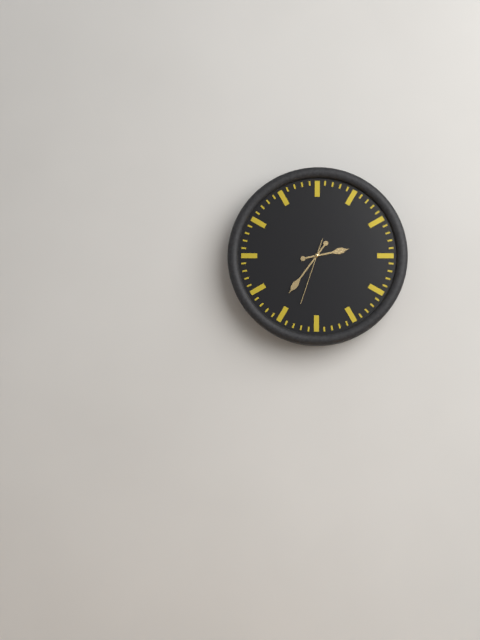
2,36,33
